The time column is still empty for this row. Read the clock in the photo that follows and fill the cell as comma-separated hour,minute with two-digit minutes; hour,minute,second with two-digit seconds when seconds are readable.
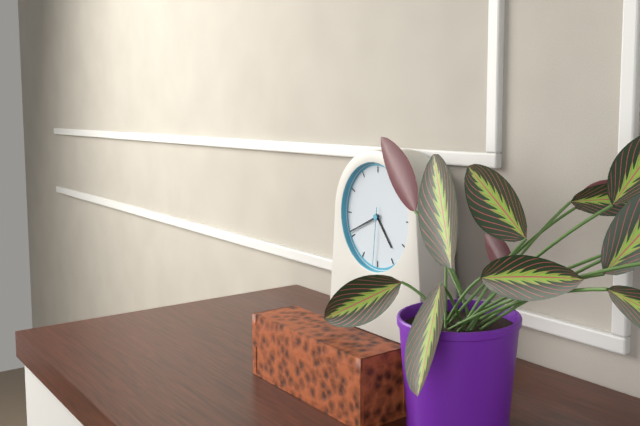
4,41,31
